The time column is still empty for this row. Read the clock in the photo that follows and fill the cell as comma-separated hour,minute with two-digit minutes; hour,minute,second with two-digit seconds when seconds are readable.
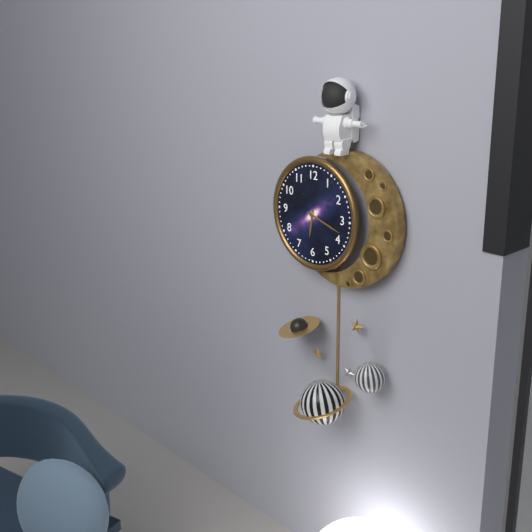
6,18
